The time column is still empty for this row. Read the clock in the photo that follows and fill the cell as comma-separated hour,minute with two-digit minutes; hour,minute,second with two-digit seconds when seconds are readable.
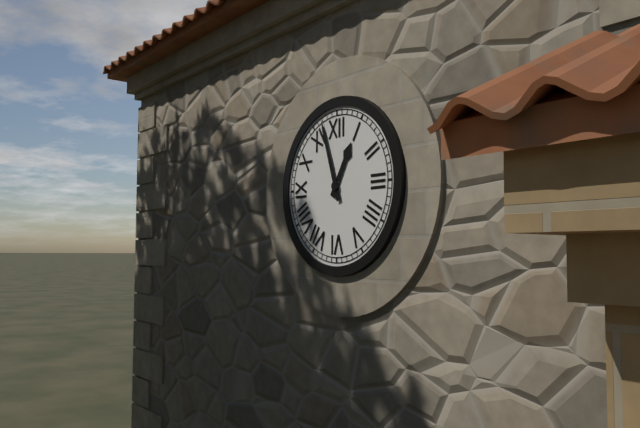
12,57
